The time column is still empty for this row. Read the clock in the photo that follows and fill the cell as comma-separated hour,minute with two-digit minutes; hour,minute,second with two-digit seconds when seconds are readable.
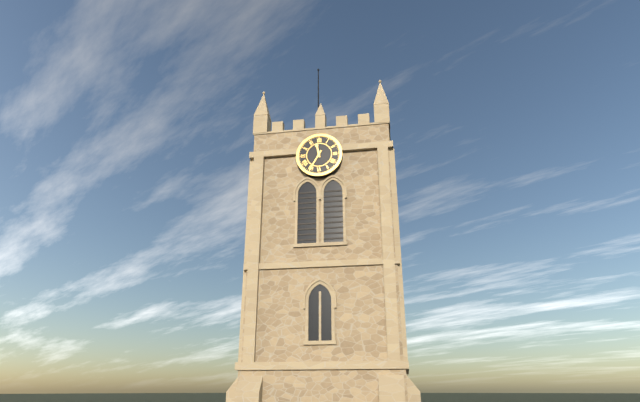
11,35
